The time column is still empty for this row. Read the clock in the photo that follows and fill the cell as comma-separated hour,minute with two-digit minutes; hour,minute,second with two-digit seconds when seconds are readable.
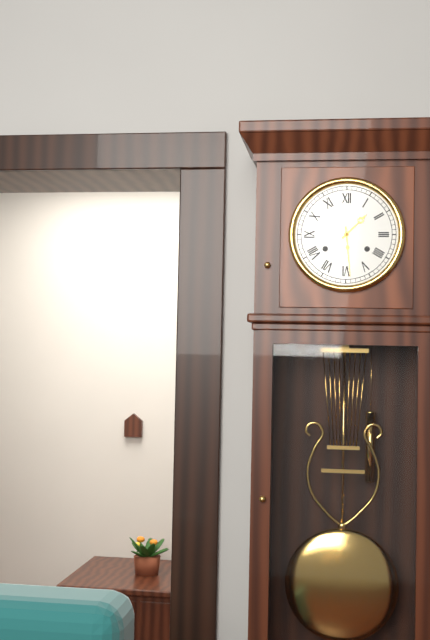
1,29
